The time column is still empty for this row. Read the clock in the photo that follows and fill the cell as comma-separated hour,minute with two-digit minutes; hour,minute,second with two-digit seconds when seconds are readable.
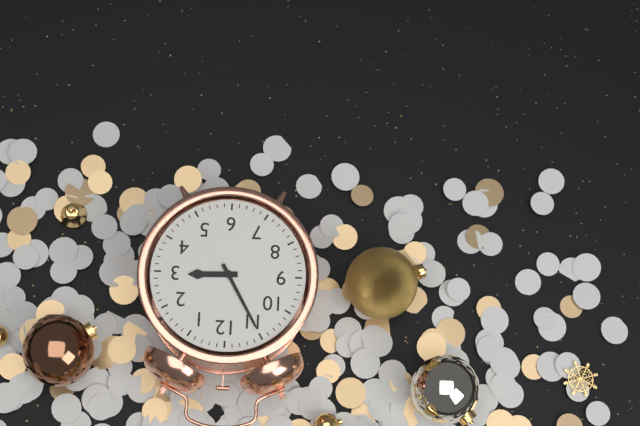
2,55
